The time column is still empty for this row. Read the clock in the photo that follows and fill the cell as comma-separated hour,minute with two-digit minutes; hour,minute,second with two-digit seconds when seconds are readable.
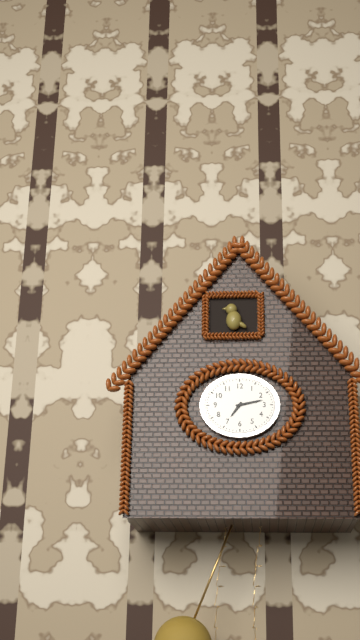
7,13
